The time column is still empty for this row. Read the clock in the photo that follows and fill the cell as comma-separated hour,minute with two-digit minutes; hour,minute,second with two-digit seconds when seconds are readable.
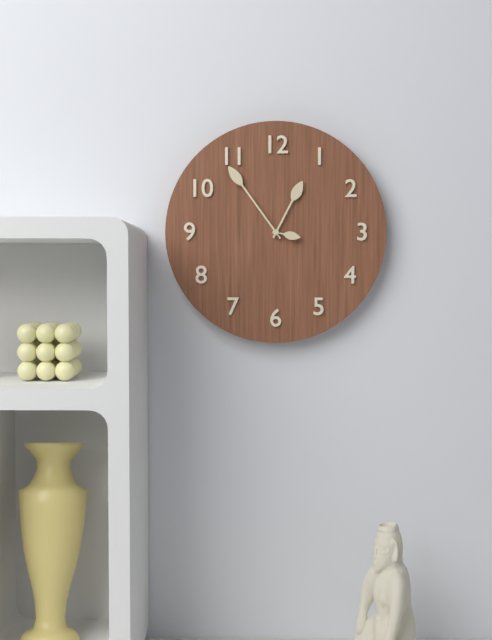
12,54
